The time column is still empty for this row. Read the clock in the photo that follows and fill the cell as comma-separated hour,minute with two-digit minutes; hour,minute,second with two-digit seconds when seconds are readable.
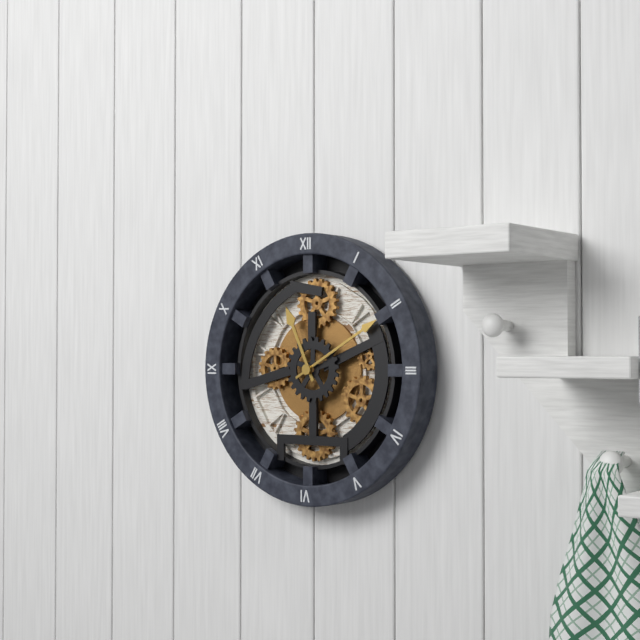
11,10
